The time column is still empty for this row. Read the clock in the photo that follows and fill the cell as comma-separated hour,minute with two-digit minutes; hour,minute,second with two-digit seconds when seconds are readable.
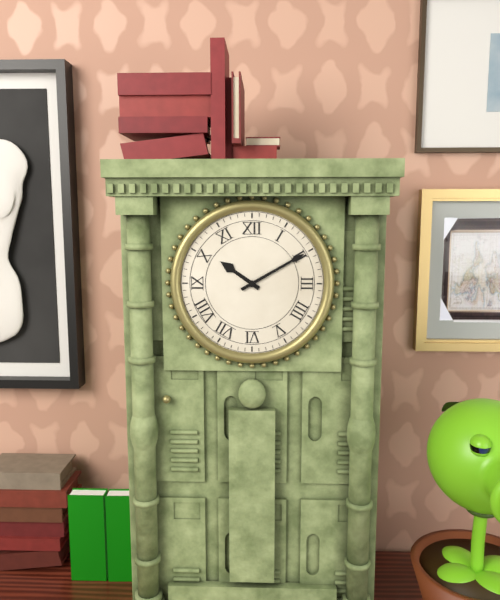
10,10
